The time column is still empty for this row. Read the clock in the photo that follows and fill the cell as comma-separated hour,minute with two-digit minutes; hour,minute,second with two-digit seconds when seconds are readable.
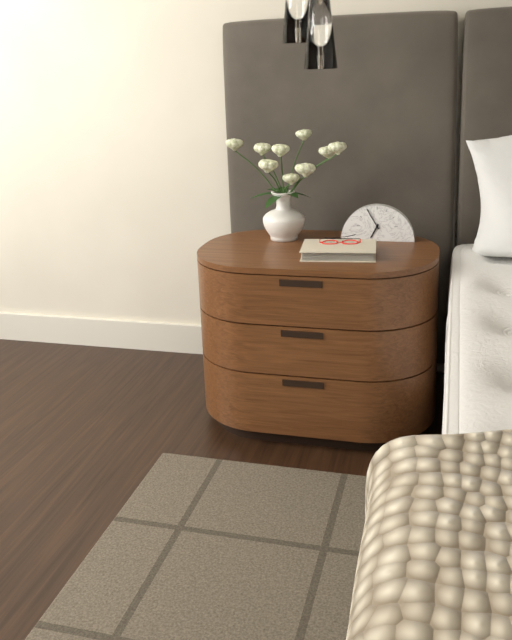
6,55
